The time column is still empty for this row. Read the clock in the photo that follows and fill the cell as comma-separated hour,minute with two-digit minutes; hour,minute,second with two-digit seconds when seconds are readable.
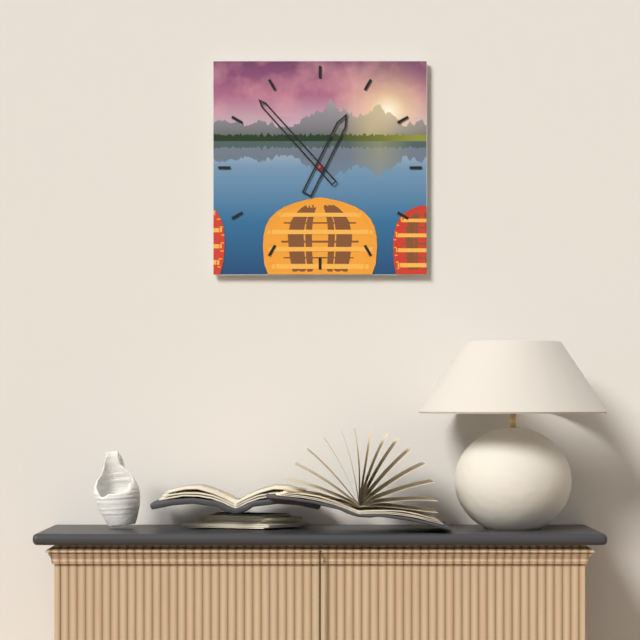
12,53
